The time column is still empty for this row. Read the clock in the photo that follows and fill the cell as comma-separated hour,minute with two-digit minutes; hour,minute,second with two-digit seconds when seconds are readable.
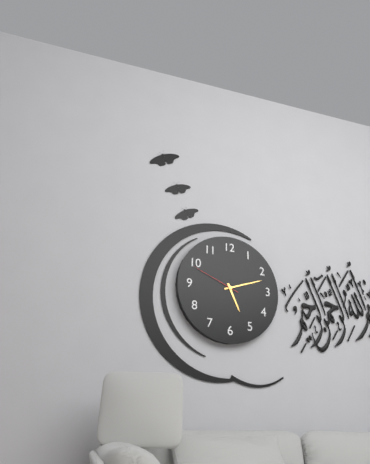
5,12,49
